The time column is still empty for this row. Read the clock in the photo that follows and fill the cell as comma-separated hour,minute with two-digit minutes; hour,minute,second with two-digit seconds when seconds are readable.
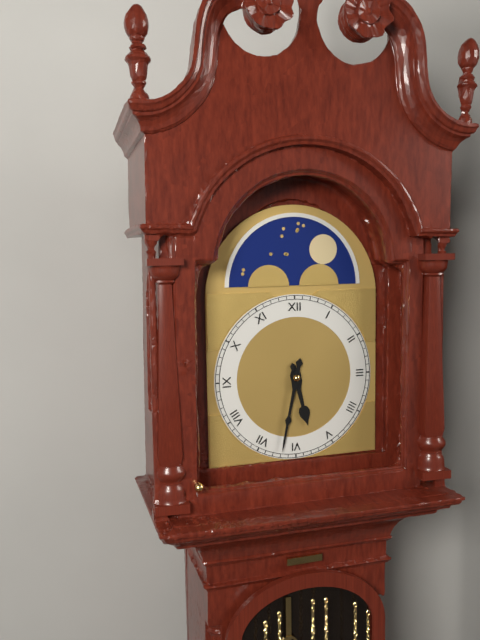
5,32
